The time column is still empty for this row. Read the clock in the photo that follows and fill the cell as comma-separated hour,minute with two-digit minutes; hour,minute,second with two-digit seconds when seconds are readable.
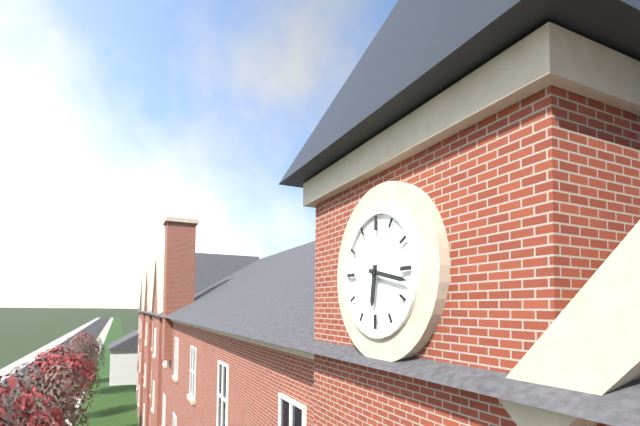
6,17
